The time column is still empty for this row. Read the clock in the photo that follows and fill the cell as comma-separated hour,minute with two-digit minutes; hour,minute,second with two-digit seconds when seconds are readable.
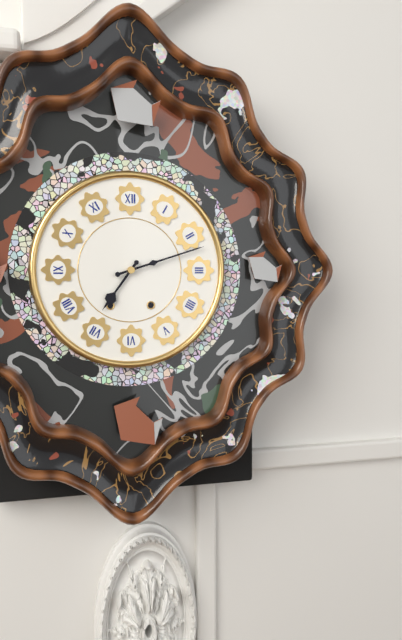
7,12
